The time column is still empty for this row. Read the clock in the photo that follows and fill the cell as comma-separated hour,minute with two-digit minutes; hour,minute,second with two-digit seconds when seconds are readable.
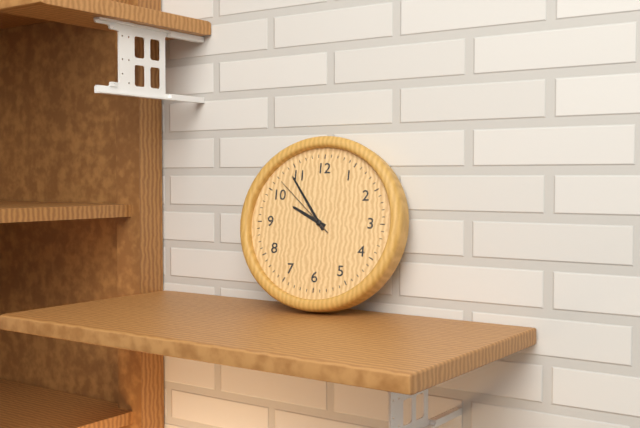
9,54,52
